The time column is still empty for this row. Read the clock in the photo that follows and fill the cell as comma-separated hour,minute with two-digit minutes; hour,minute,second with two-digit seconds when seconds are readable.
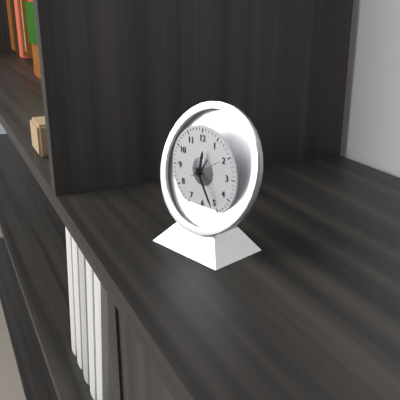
12,25
